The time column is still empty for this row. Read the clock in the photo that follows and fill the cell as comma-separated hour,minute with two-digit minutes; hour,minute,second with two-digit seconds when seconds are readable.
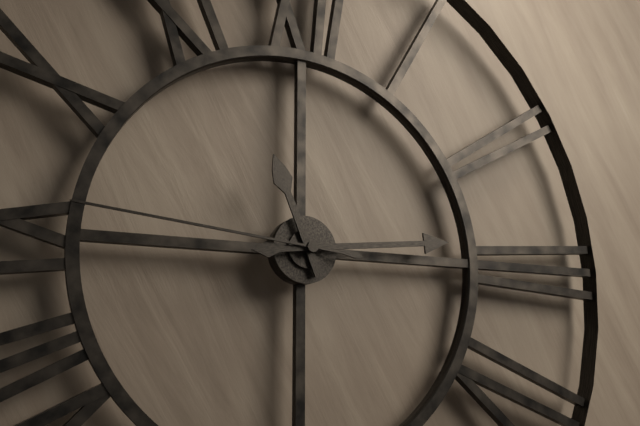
11,14,46
